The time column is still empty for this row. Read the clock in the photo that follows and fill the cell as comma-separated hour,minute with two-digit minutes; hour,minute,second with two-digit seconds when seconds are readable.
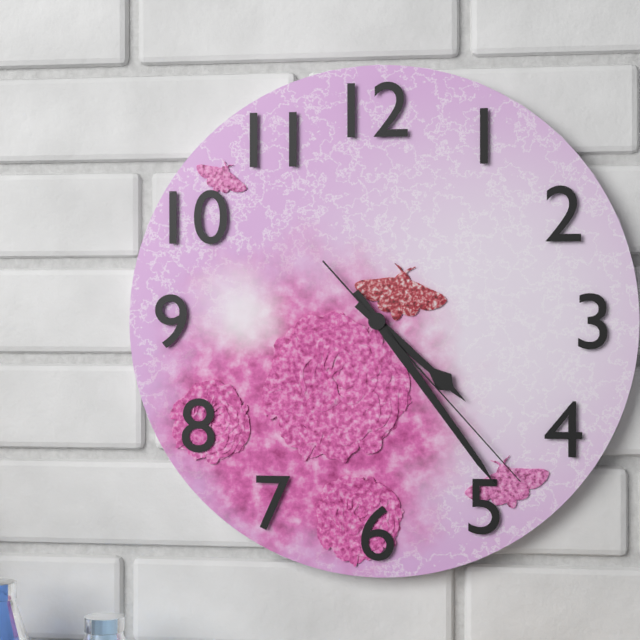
4,24,23
